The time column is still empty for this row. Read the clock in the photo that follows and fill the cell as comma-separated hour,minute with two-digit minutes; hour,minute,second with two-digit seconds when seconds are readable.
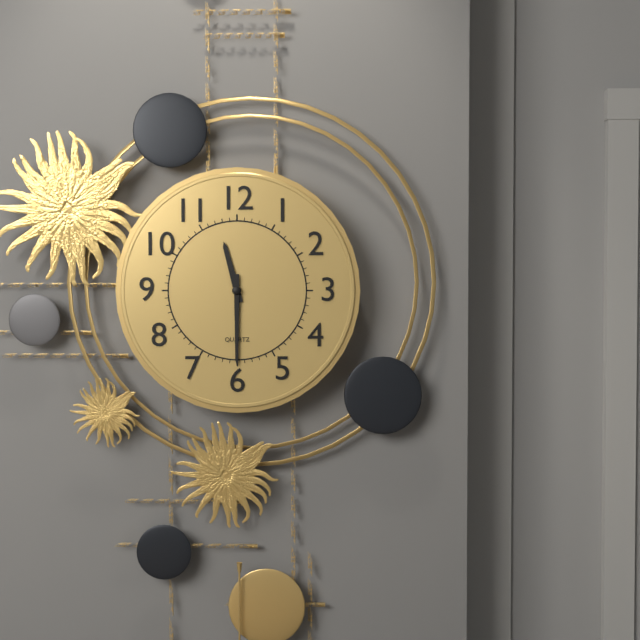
11,30
